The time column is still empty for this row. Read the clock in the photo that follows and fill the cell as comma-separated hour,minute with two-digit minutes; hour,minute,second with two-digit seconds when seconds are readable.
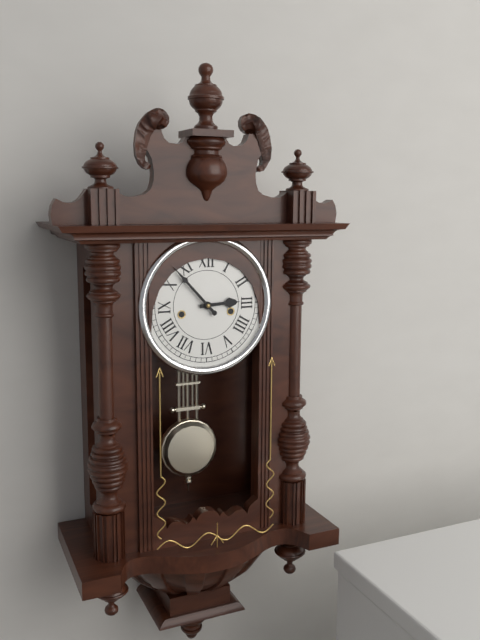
2,53
